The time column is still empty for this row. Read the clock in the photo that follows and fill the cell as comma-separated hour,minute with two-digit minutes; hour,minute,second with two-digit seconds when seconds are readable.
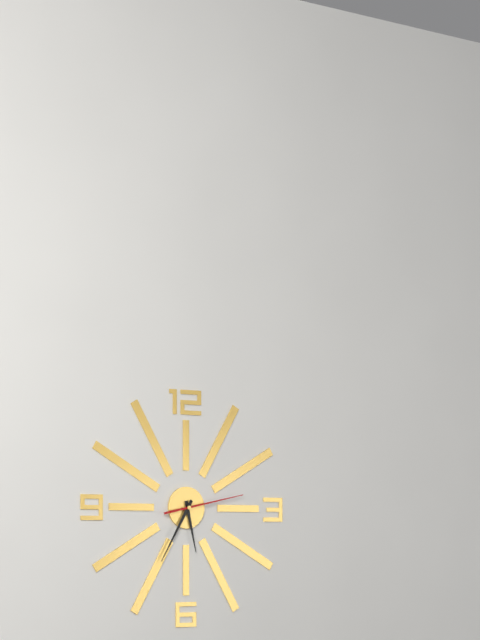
5,35,13
